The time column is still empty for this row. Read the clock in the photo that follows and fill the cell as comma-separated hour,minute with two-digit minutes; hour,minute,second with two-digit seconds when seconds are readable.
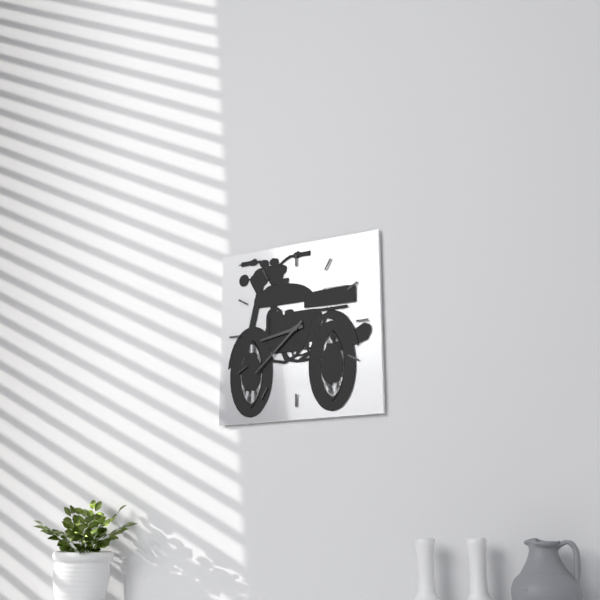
8,38
